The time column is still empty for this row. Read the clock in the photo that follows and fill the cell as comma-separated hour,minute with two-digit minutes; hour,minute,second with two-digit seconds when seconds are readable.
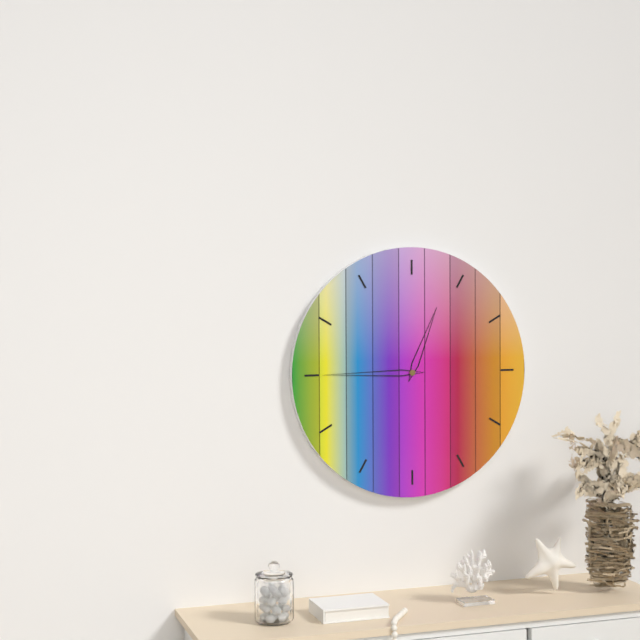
12,45
